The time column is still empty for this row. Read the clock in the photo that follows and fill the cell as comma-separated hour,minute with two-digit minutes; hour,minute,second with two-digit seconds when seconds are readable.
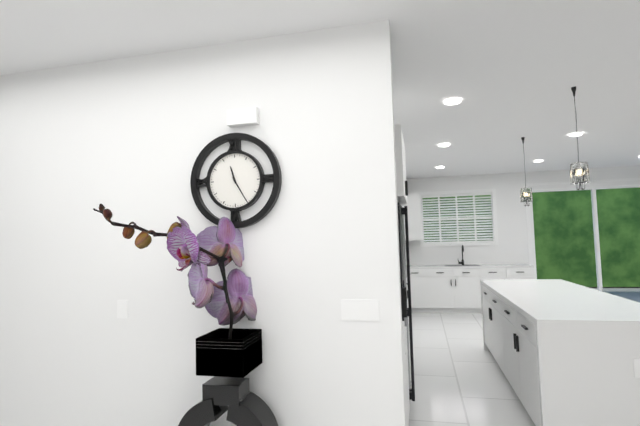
11,25
